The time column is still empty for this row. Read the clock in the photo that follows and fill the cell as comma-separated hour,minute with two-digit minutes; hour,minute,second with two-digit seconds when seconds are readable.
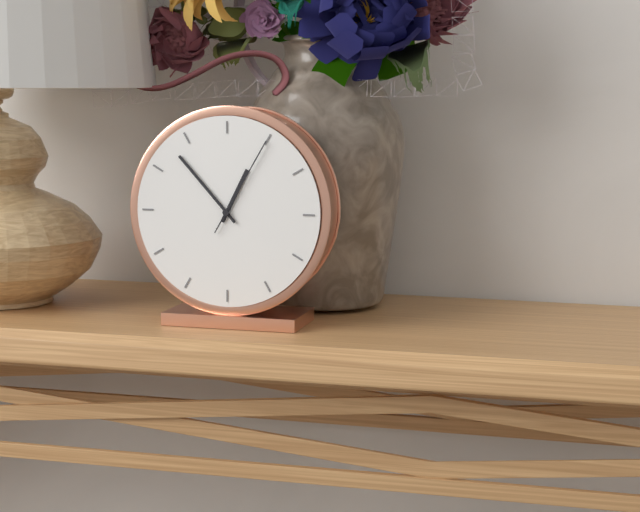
12,53,05
